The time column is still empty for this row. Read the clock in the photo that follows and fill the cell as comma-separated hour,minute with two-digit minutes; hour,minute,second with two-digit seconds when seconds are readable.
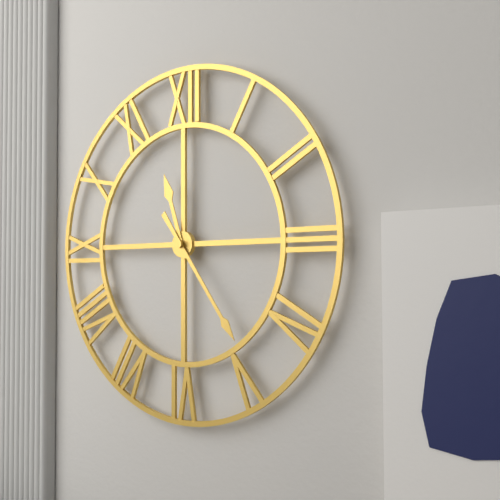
11,24
